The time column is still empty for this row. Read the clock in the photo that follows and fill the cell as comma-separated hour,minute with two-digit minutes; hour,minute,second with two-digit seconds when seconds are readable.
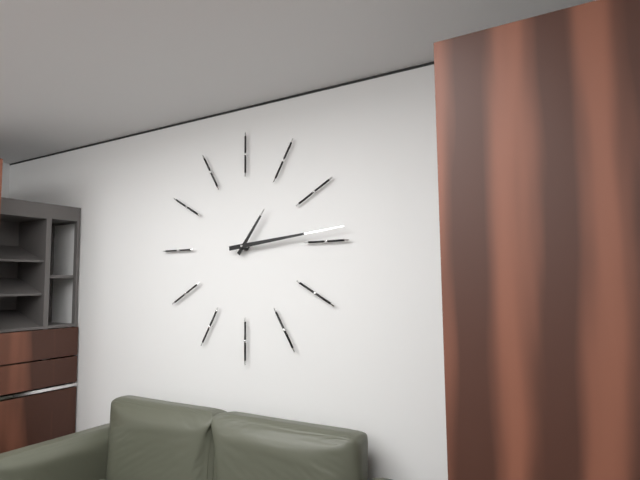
1,14
